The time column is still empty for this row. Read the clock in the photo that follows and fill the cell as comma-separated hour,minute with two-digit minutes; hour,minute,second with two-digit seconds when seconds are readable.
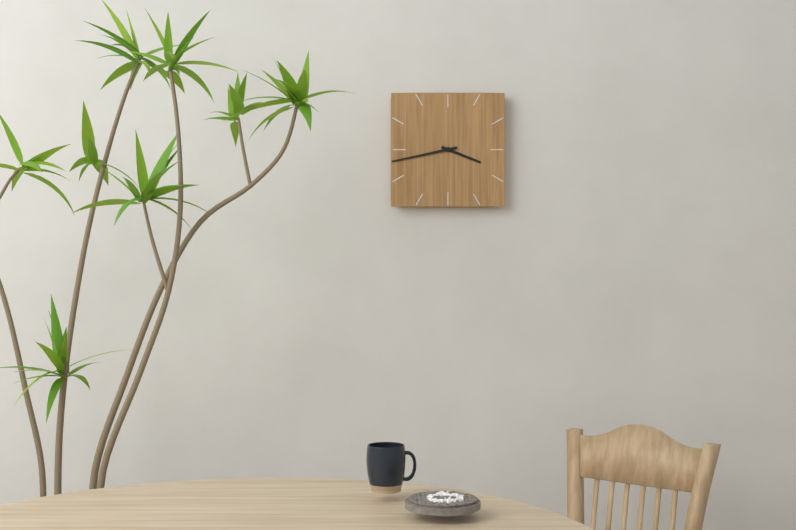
3,43
